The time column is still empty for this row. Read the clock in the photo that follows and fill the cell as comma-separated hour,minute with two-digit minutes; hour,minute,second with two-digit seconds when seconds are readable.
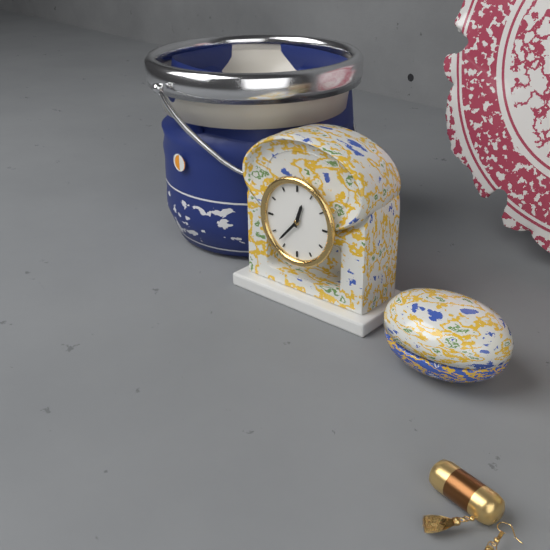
12,37
